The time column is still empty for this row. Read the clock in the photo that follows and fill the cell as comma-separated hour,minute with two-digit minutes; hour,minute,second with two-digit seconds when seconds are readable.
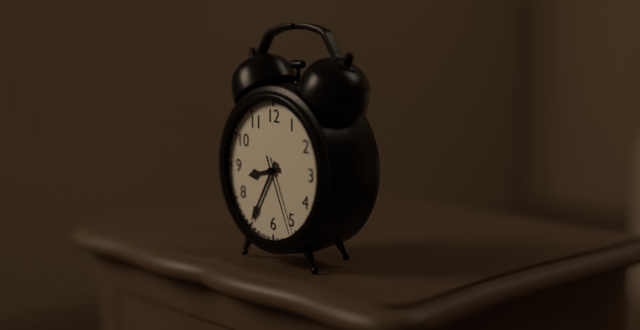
8,35,26
